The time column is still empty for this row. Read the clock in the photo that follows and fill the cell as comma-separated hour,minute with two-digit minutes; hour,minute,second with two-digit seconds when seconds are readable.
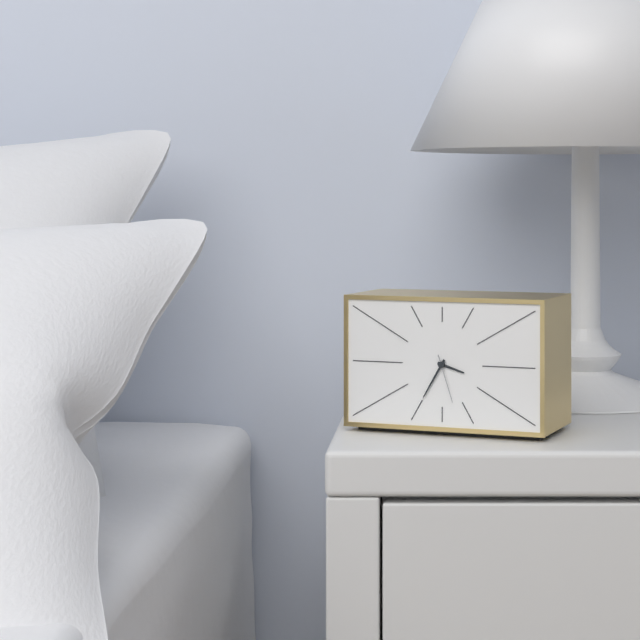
3,35
